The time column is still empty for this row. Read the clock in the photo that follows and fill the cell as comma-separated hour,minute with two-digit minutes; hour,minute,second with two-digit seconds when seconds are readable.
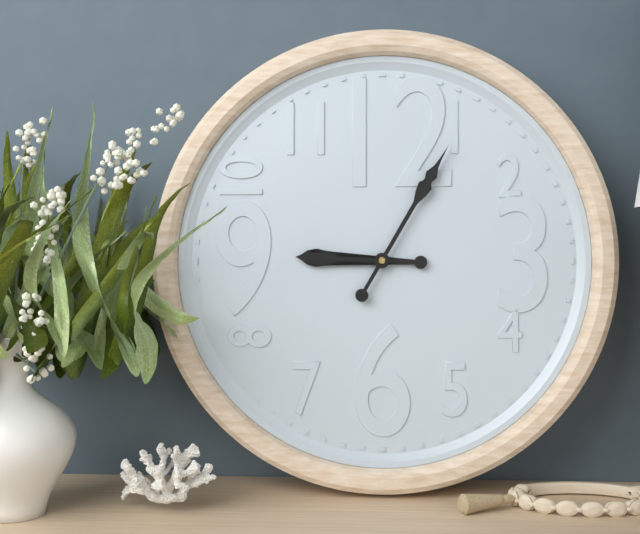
9,05
